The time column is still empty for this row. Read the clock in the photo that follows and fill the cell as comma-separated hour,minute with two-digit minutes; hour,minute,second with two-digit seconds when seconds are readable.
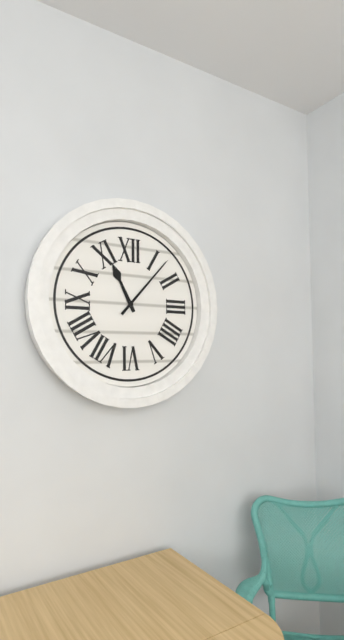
11,07
